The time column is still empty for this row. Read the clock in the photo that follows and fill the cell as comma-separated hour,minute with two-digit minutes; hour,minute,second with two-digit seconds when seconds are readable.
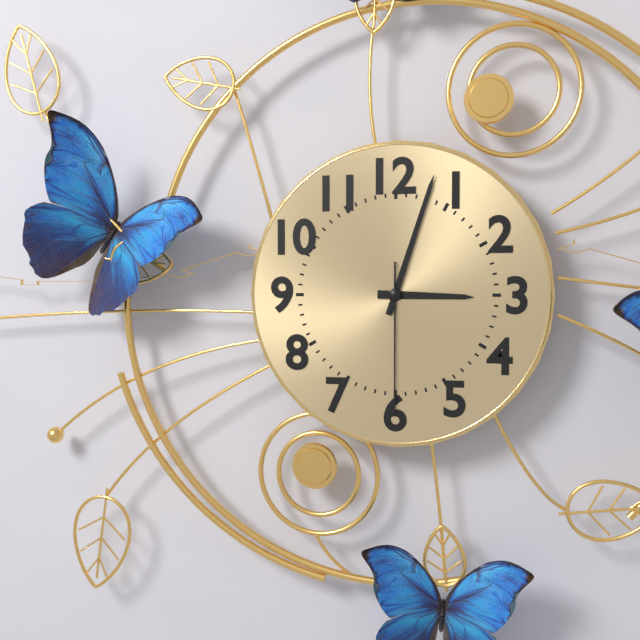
3,03,30
